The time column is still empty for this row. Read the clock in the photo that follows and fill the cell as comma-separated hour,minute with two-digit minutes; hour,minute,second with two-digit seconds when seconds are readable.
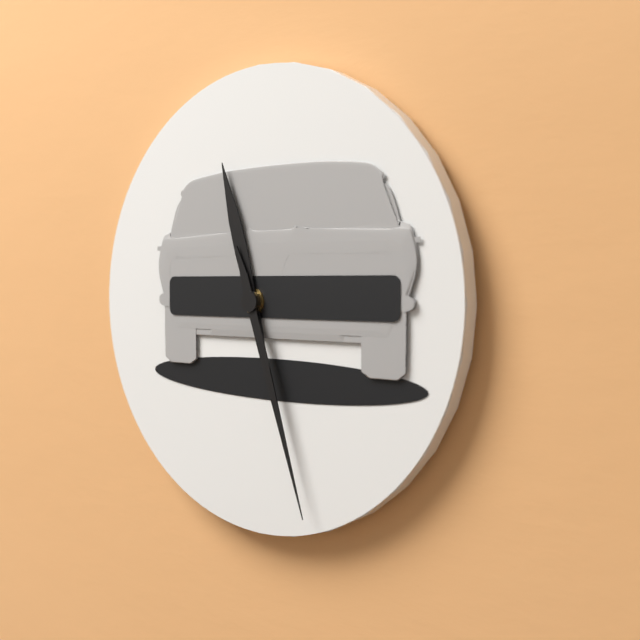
11,27
